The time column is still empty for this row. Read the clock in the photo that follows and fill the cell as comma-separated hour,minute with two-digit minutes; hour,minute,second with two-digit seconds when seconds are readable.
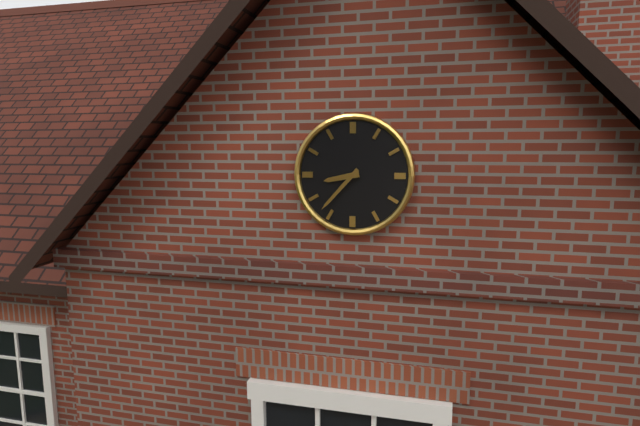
8,37
